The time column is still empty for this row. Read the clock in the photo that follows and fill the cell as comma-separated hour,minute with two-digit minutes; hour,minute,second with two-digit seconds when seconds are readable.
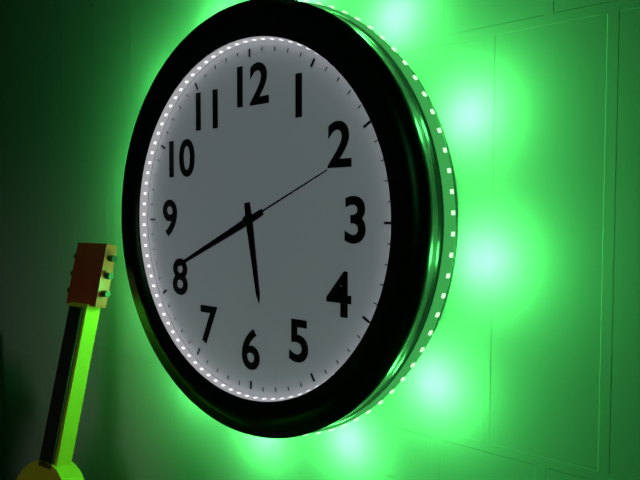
5,41,11
